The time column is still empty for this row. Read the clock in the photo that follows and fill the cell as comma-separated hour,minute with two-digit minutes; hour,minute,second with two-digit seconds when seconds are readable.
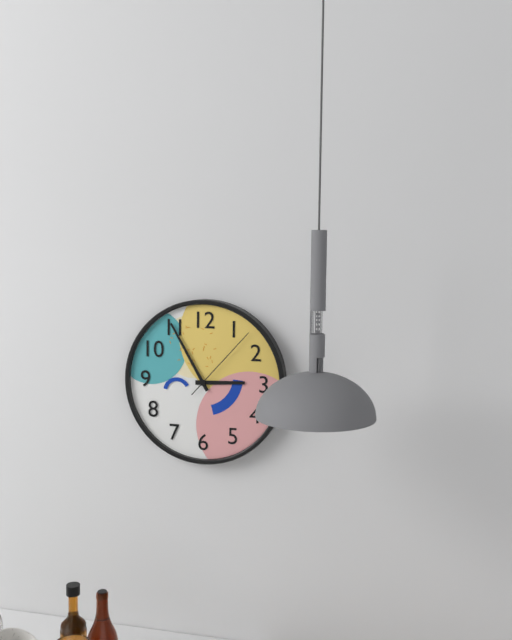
2,55,07
